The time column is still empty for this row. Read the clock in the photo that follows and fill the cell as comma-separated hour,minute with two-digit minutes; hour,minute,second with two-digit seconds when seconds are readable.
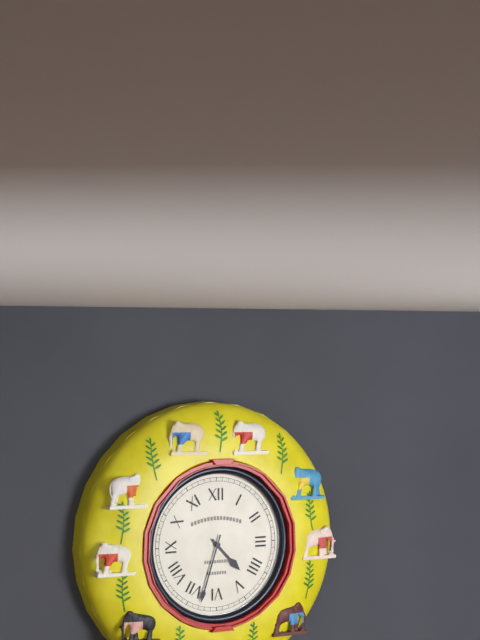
4,33
